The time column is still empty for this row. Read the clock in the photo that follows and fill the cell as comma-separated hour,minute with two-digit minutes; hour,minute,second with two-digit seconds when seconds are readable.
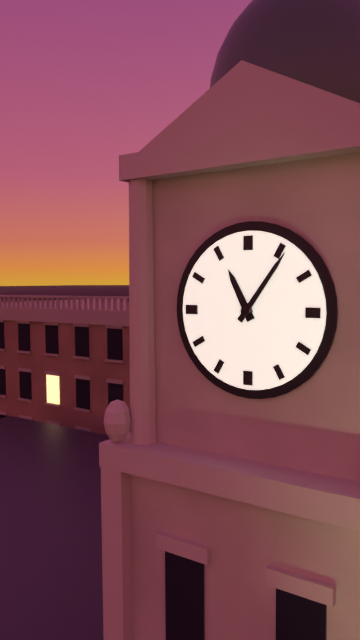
11,06
